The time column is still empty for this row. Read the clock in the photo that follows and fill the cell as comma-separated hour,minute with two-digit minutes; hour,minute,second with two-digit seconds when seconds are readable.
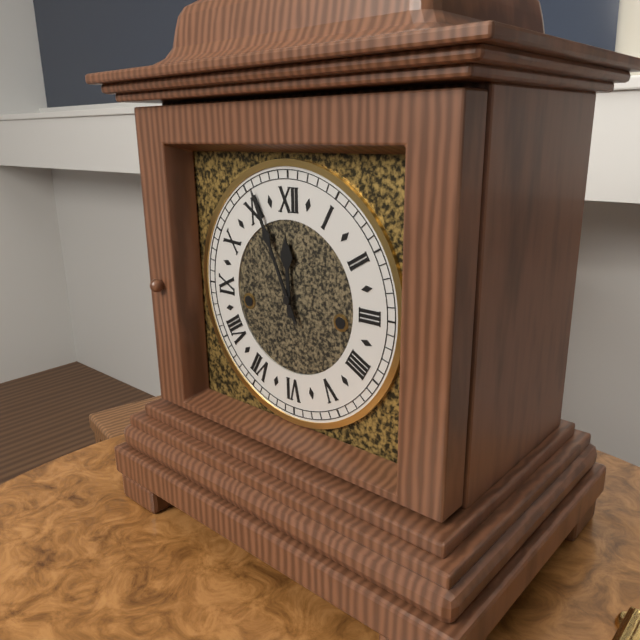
11,56
